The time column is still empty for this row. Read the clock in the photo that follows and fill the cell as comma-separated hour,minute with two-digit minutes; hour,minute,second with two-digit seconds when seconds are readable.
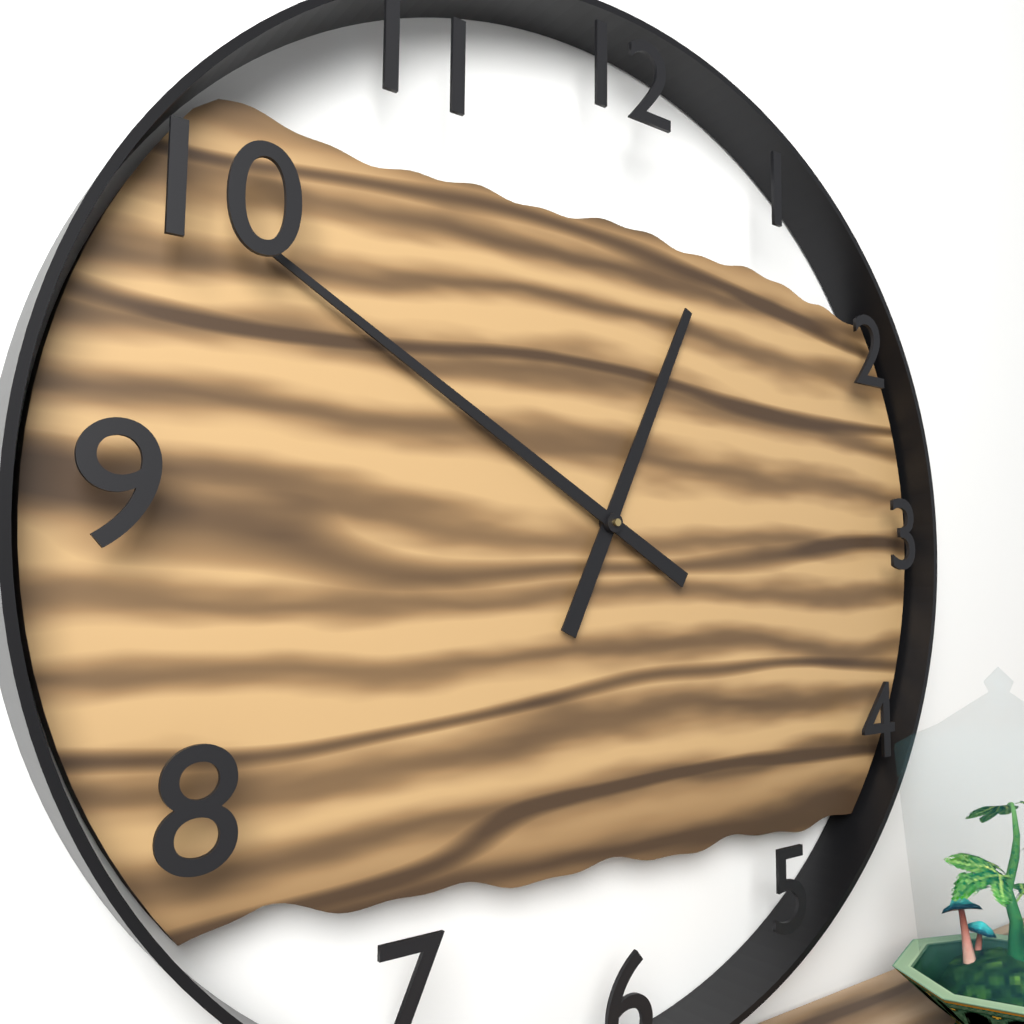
12,50
